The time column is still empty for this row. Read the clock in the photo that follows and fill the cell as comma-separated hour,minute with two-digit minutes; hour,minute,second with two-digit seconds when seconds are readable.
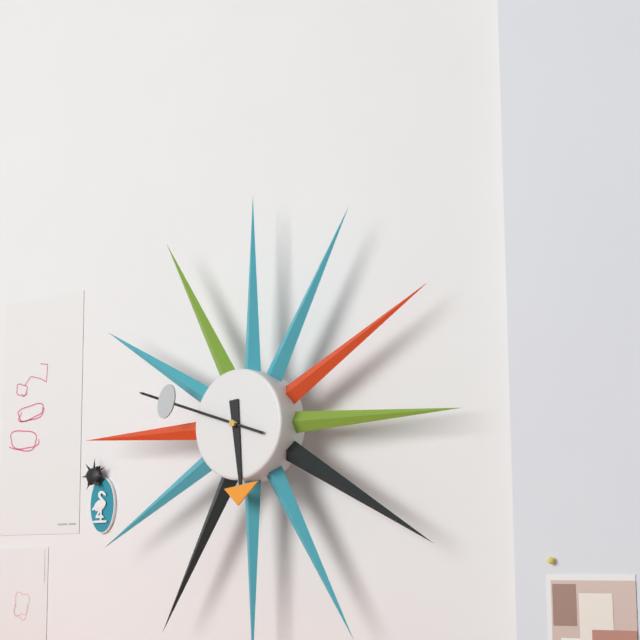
5,48
